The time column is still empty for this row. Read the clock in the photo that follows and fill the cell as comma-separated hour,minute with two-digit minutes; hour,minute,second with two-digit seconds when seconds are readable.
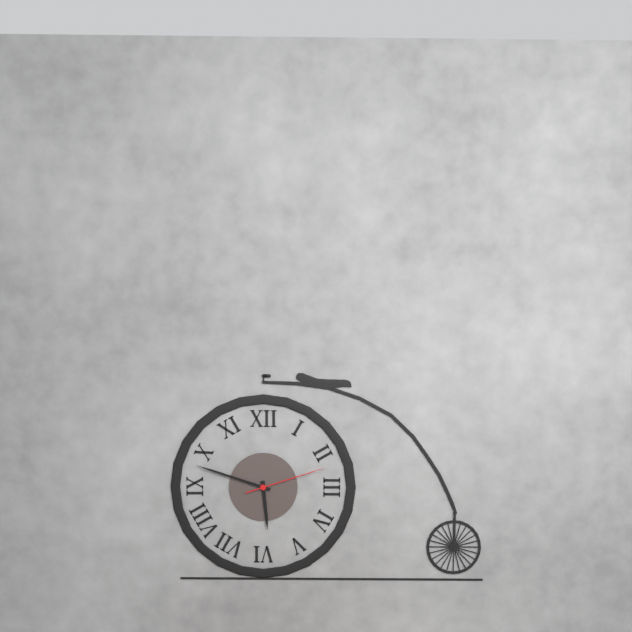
5,48,12
